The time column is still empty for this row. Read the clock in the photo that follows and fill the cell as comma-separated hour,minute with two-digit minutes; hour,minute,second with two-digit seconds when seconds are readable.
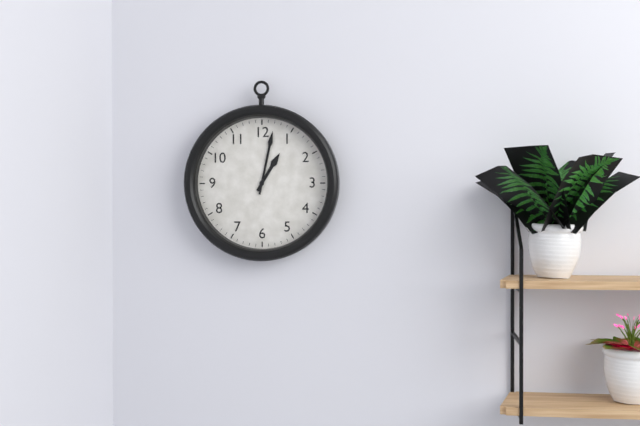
1,02
